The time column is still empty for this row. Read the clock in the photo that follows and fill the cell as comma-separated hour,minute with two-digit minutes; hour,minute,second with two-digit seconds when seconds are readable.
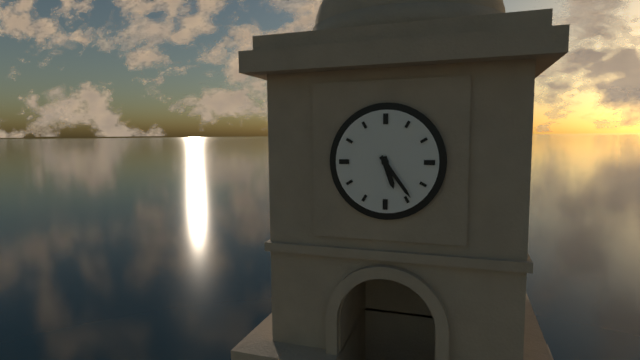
5,24
